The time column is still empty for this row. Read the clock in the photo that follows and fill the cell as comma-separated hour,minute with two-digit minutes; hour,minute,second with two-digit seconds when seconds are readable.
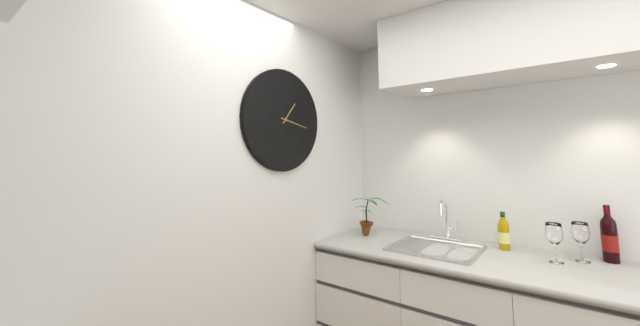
1,17
